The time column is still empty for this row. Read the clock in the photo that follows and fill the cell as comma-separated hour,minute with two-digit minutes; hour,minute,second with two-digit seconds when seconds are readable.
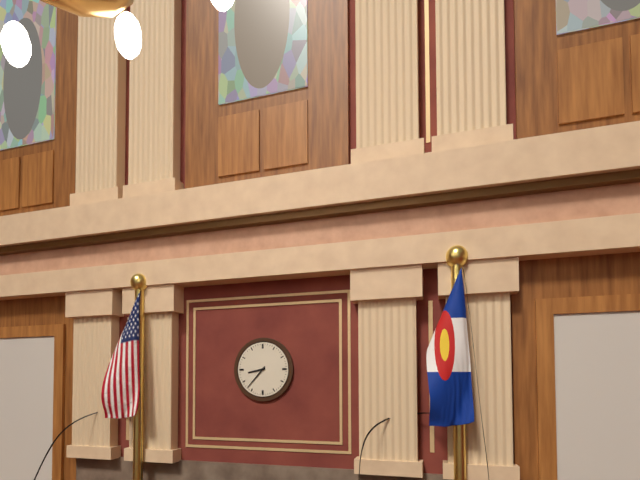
8,37
